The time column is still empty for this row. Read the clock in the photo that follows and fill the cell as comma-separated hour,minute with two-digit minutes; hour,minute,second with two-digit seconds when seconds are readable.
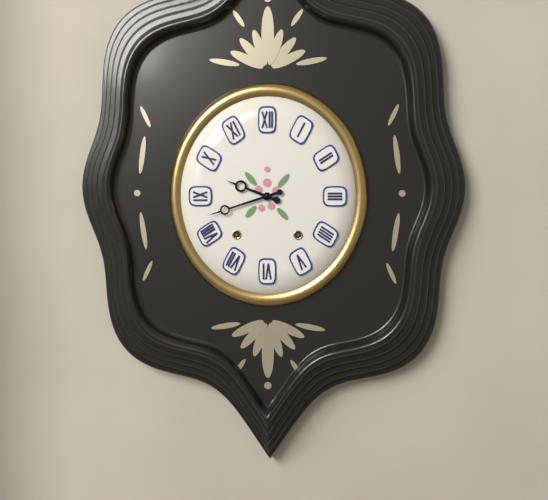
9,42
